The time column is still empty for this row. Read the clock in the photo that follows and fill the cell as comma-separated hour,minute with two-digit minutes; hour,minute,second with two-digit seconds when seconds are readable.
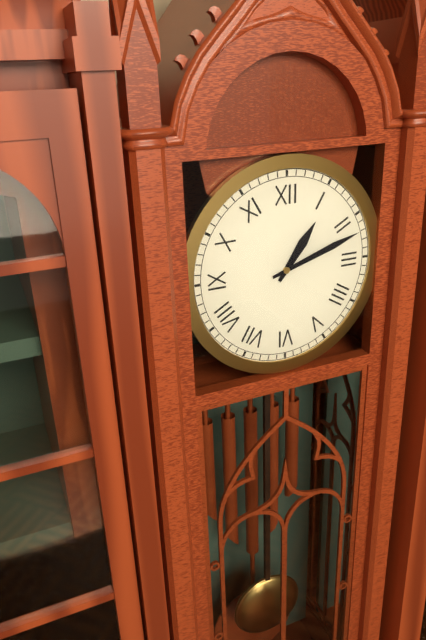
1,12
